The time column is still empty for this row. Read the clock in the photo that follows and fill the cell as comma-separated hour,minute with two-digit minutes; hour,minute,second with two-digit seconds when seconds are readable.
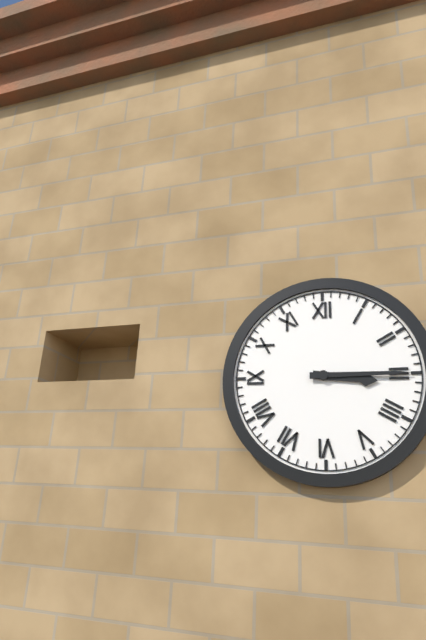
3,15
